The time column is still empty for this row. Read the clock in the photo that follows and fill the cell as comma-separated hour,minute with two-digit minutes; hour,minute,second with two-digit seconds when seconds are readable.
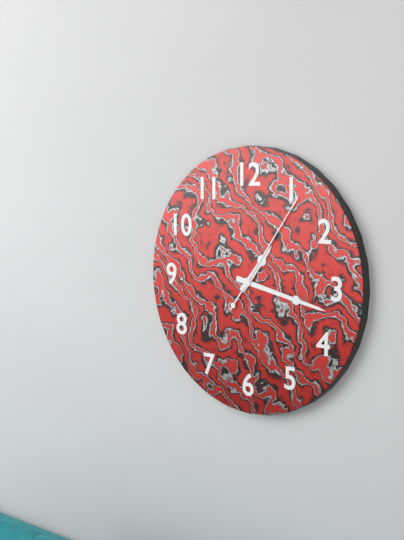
1,17,06
